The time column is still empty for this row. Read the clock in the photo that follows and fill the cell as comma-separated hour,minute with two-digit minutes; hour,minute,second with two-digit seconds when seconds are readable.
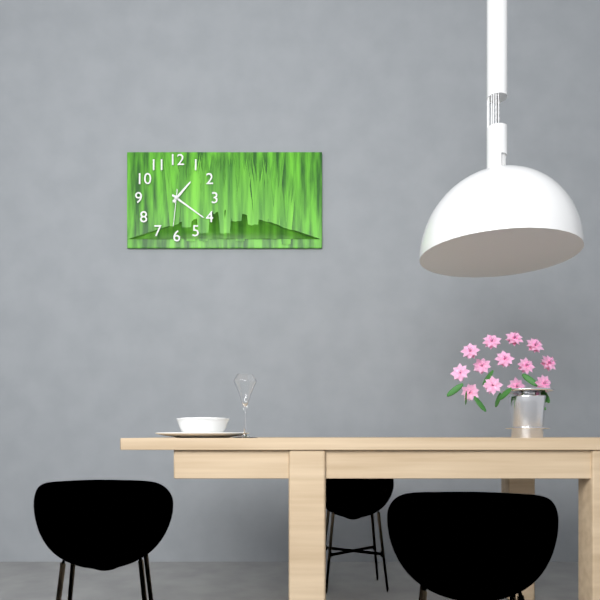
1,21
